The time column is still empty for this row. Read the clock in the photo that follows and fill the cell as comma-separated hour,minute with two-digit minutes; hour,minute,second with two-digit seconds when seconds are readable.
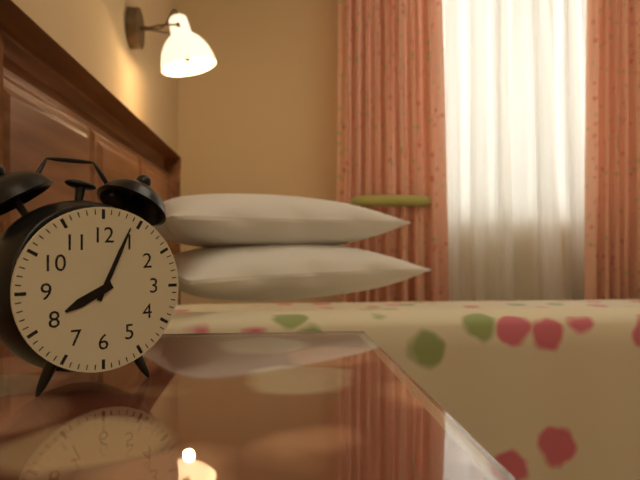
8,04
